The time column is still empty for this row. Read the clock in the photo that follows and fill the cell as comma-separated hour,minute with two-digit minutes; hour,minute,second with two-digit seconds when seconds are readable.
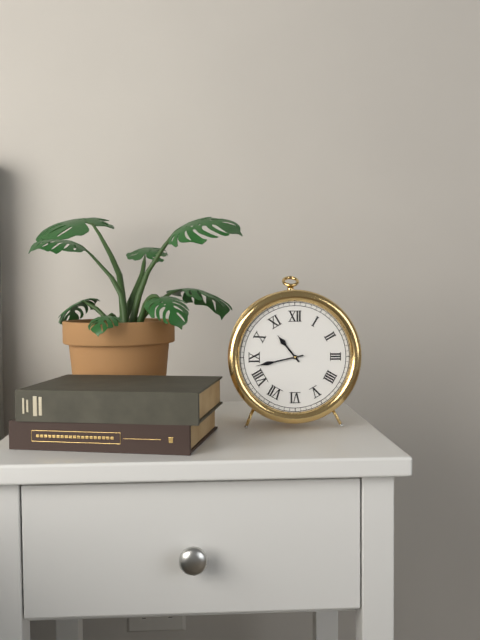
10,43
